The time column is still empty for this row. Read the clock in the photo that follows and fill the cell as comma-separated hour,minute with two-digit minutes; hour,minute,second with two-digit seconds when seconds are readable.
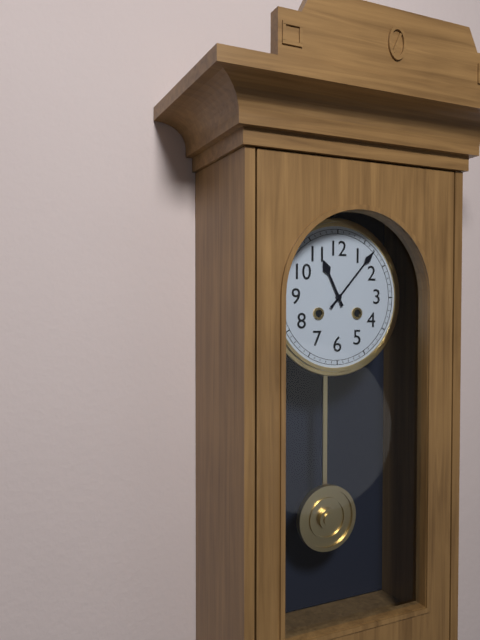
11,07
